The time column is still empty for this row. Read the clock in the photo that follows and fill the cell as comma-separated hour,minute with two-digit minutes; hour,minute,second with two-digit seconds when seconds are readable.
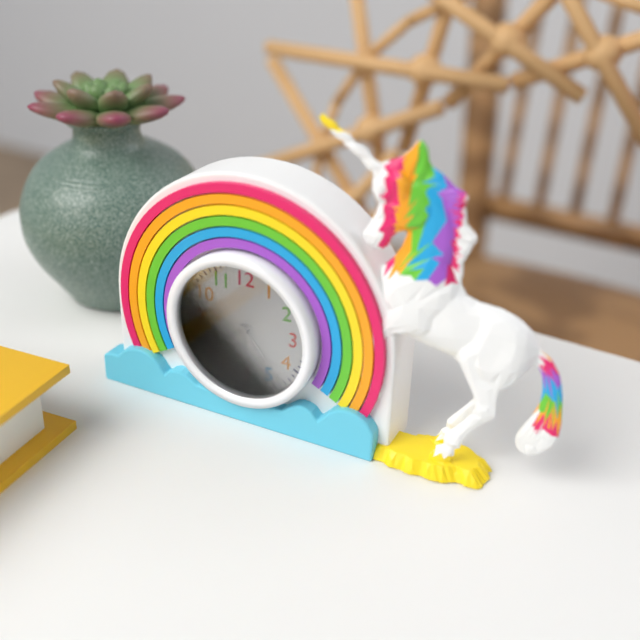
4,39
